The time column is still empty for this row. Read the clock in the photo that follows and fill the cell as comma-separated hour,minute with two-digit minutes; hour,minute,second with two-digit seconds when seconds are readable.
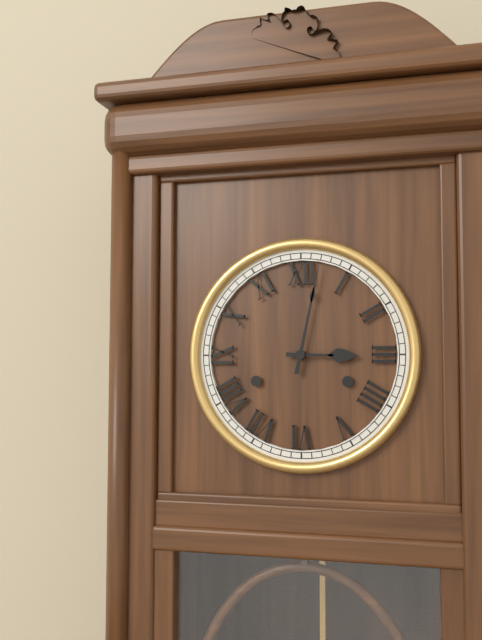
3,02
